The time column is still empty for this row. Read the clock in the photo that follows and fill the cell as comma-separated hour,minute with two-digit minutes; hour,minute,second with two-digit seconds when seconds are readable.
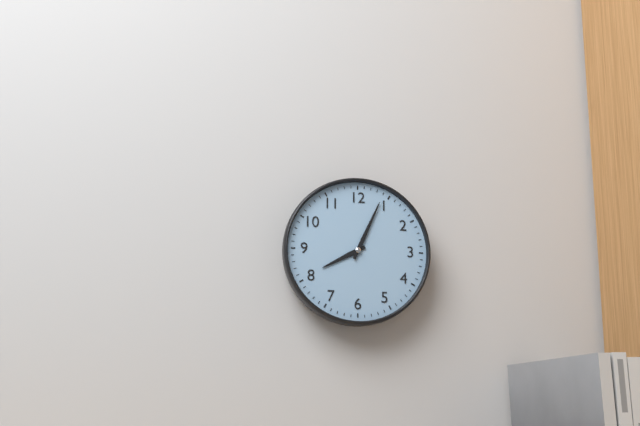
8,04
